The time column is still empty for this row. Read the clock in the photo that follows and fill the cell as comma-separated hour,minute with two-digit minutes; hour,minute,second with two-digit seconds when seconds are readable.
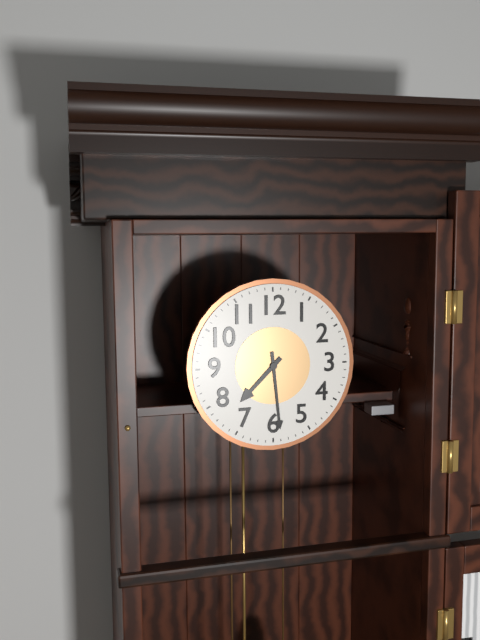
7,29
